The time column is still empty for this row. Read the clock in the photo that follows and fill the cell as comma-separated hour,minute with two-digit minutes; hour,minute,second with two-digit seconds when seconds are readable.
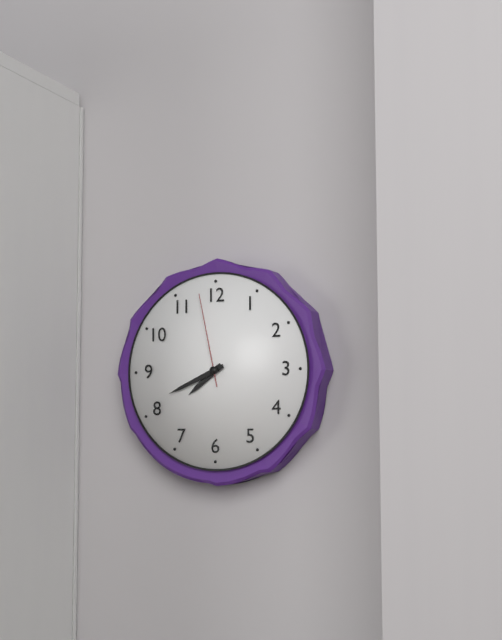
7,41,58
